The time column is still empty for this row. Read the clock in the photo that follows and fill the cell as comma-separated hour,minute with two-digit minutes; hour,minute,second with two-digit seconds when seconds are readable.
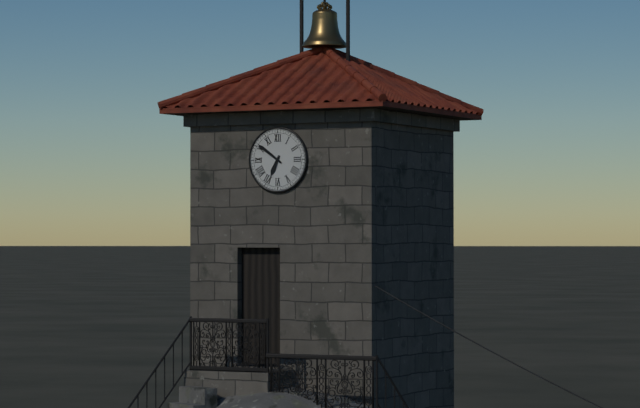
6,51
